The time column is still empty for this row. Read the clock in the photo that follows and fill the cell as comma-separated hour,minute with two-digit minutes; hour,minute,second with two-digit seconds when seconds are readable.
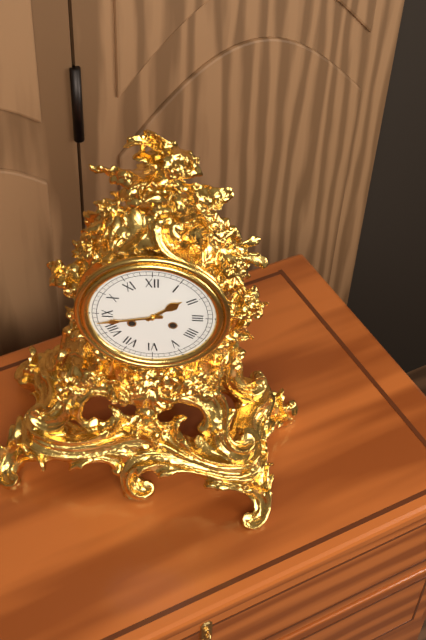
1,43
